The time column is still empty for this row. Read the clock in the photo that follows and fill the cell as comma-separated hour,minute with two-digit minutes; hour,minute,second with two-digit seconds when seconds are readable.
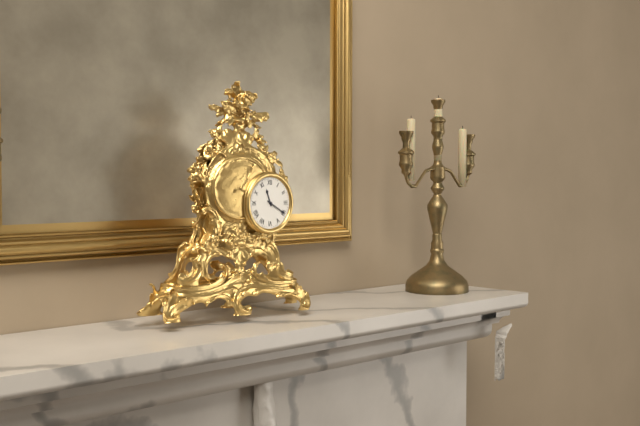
11,20
